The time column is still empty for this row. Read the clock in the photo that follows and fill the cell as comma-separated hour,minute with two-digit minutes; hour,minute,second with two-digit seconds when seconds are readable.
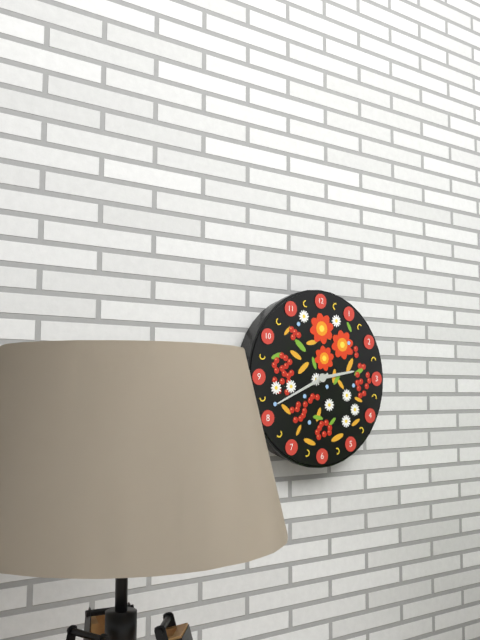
2,41
